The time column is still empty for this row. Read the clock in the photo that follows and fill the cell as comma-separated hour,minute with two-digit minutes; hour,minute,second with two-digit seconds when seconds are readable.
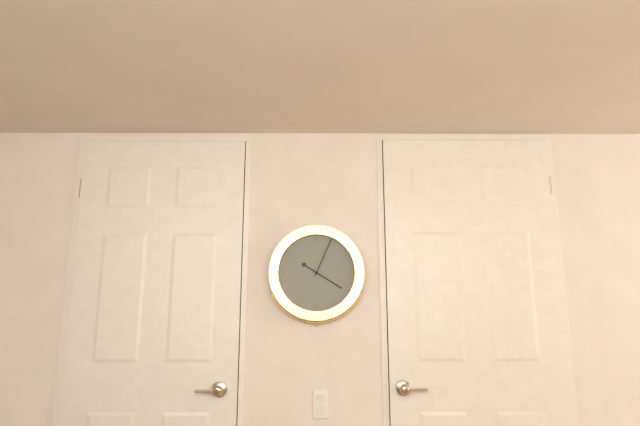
4,04
